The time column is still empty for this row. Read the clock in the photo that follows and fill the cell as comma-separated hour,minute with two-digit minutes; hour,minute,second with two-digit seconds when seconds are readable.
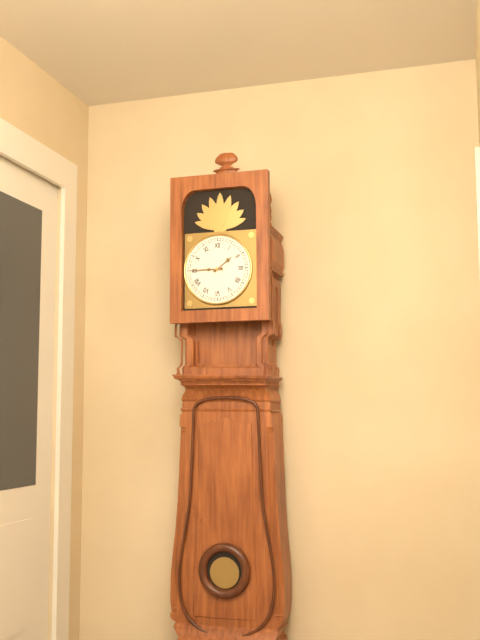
1,45
